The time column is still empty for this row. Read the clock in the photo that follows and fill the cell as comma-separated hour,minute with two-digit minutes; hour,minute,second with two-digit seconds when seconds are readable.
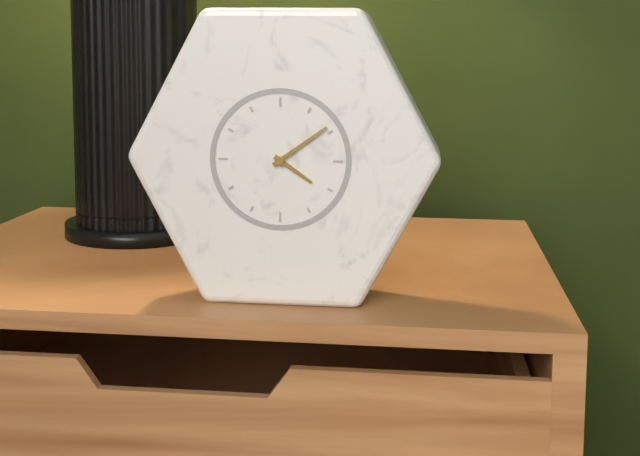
4,09
